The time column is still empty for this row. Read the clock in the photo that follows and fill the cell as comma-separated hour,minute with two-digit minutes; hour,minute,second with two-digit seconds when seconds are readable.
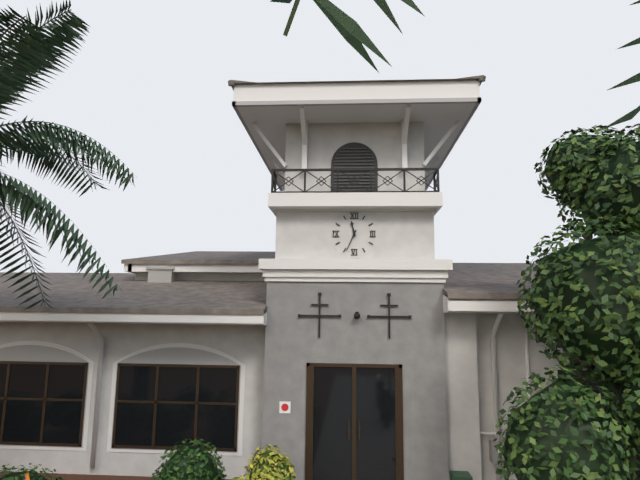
11,34
